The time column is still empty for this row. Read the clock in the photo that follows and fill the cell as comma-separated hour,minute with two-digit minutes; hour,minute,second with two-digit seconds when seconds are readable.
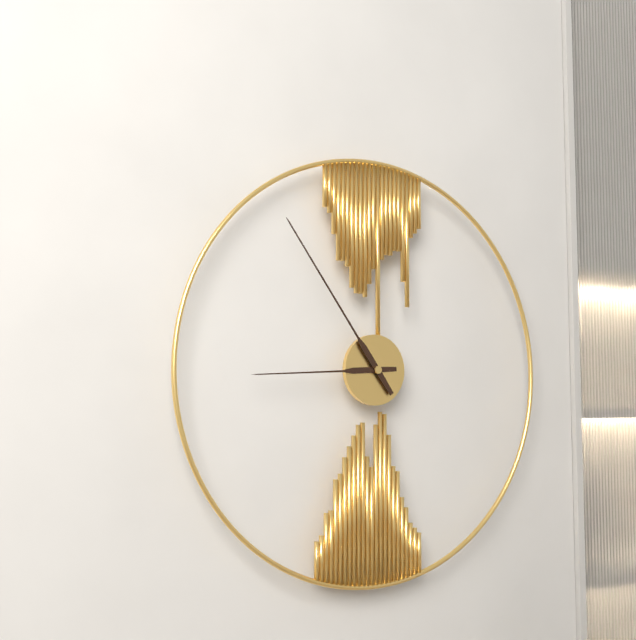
8,54
